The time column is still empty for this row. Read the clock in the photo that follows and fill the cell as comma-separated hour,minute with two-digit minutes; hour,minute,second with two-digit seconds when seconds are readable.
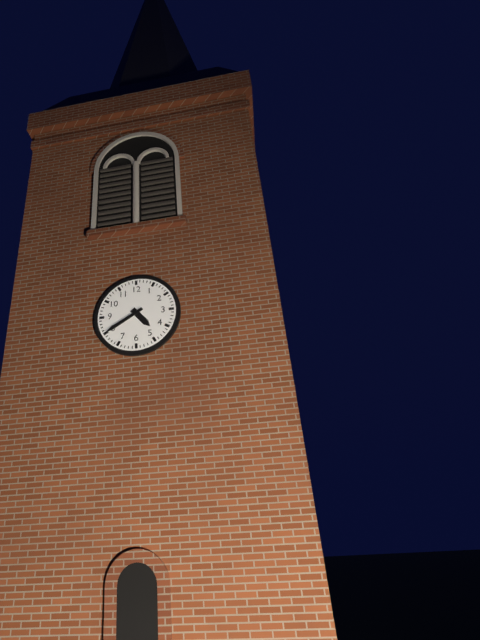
4,40
